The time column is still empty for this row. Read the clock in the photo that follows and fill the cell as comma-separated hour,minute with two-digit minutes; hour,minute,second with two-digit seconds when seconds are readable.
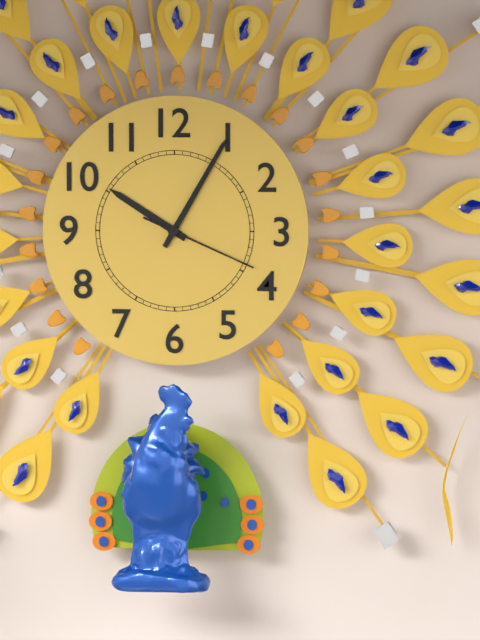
10,05,19
